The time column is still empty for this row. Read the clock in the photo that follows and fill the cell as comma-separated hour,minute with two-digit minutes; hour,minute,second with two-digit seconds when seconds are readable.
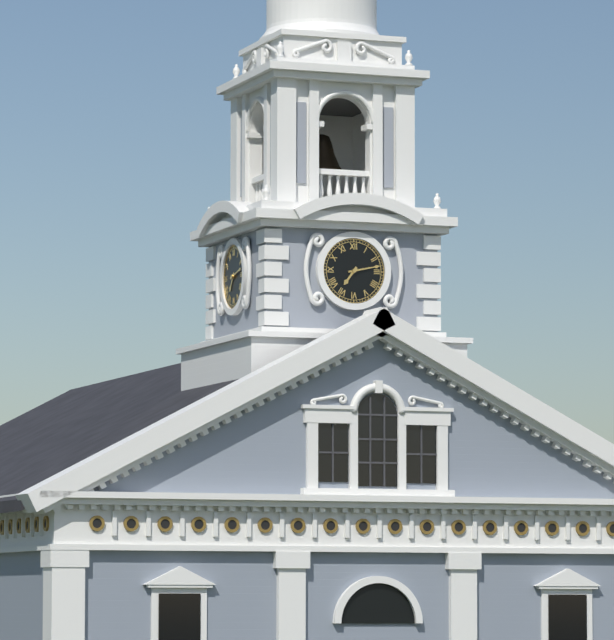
7,13
